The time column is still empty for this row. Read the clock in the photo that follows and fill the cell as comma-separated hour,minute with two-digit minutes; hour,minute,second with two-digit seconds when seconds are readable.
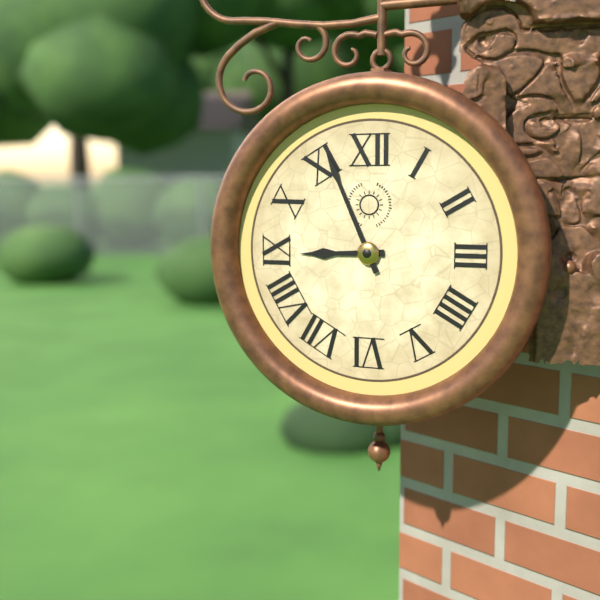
8,56
